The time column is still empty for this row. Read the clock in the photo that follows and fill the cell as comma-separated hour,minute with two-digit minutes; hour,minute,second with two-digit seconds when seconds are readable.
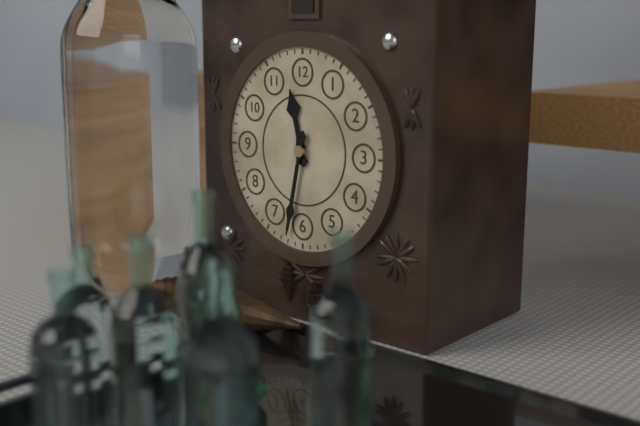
11,32
